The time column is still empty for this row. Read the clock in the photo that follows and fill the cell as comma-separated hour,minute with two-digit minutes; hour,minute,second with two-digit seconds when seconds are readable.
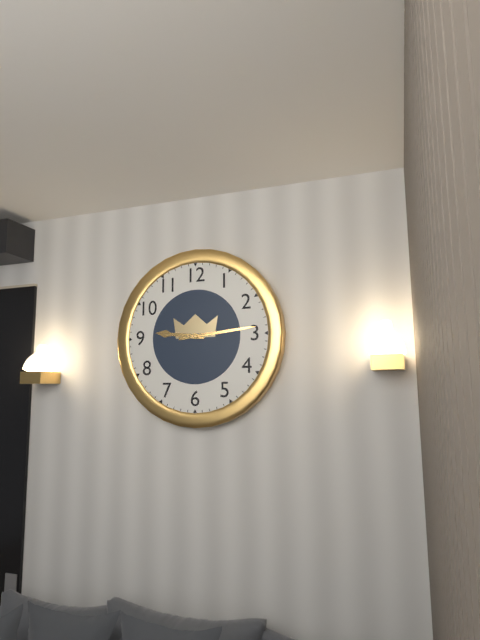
9,14
